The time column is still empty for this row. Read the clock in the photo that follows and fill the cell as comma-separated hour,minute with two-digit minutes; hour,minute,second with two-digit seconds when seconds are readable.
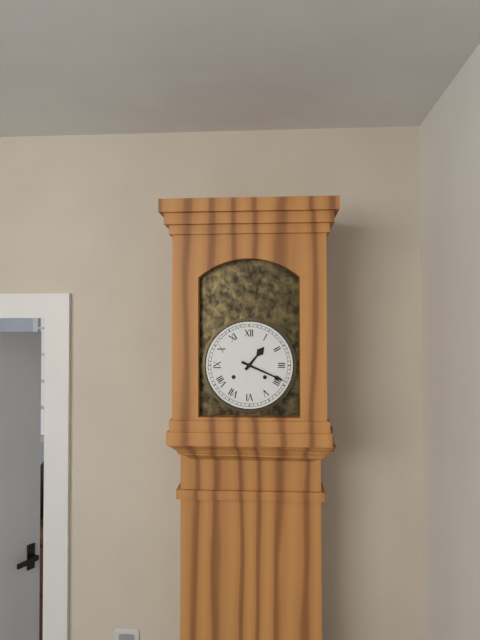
1,19
